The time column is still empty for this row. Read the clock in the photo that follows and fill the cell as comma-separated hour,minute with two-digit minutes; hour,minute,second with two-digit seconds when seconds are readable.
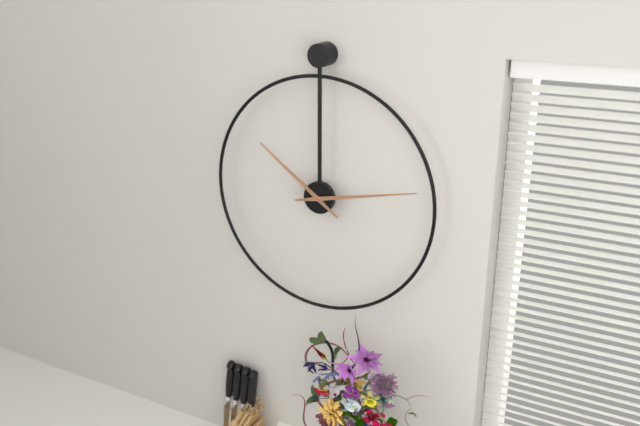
10,13
